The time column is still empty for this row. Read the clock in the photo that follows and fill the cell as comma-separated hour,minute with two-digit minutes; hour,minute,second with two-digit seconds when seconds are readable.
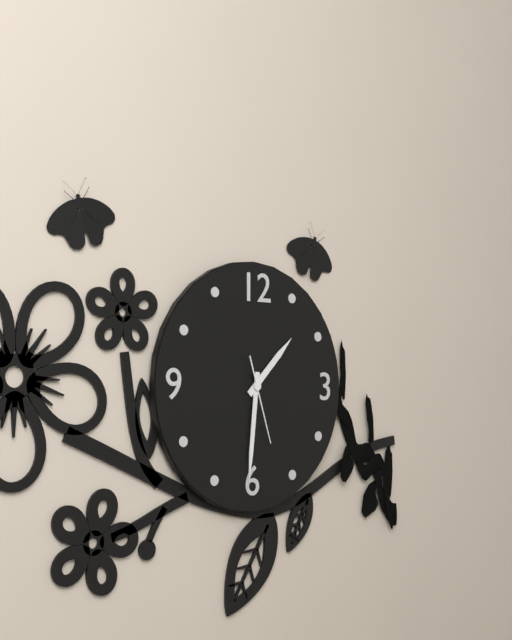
1,31,27
